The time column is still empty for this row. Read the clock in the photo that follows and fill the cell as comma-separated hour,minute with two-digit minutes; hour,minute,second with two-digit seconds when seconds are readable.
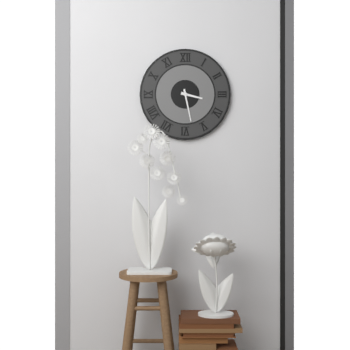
3,28
